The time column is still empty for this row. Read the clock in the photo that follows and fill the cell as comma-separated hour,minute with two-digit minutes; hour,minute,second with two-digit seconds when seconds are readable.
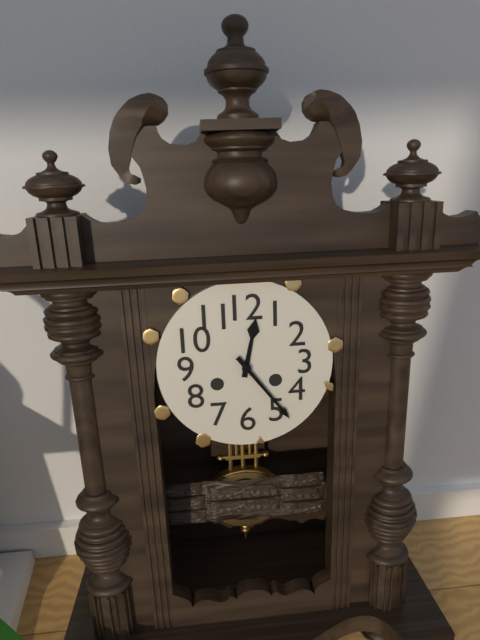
12,24
